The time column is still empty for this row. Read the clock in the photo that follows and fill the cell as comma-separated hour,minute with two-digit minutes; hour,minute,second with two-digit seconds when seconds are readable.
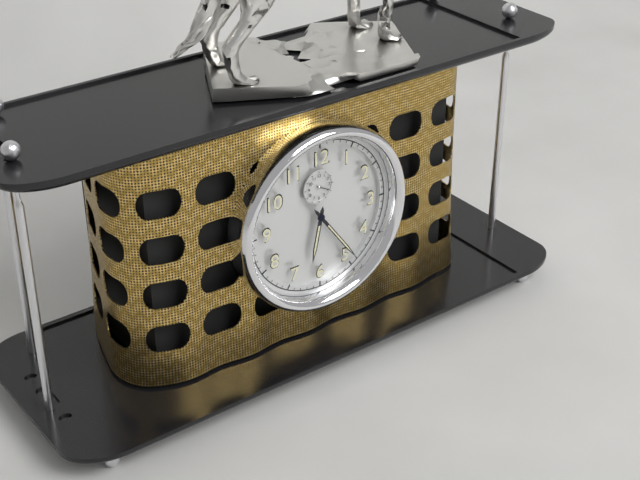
6,24
